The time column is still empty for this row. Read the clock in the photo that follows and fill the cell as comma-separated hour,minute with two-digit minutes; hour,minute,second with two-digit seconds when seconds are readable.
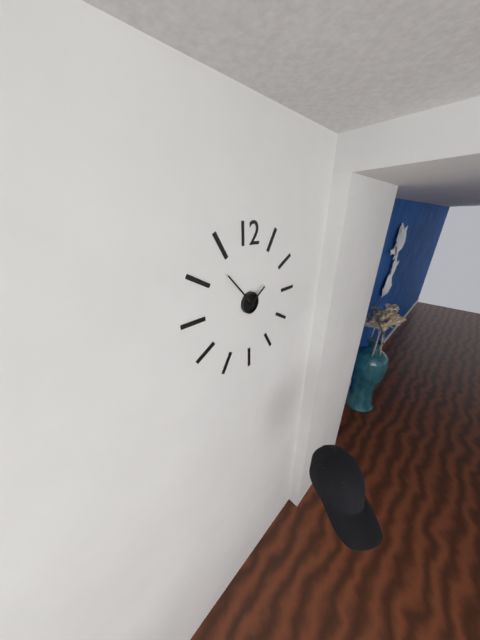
1,53
